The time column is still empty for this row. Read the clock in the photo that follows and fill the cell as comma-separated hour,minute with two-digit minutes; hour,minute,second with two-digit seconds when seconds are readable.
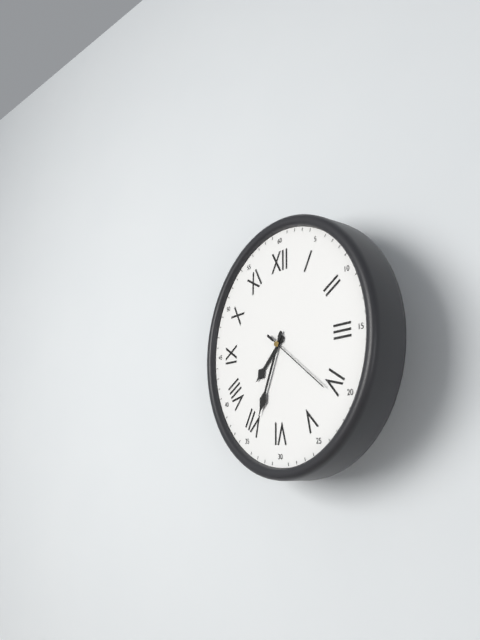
7,34,21
